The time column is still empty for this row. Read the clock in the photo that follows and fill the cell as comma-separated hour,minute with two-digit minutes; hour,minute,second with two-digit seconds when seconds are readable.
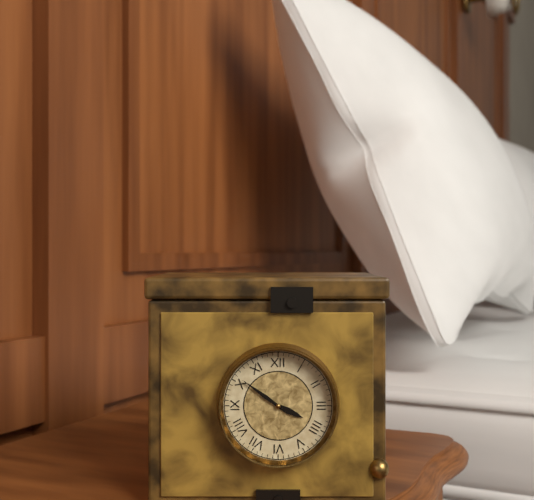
3,51
